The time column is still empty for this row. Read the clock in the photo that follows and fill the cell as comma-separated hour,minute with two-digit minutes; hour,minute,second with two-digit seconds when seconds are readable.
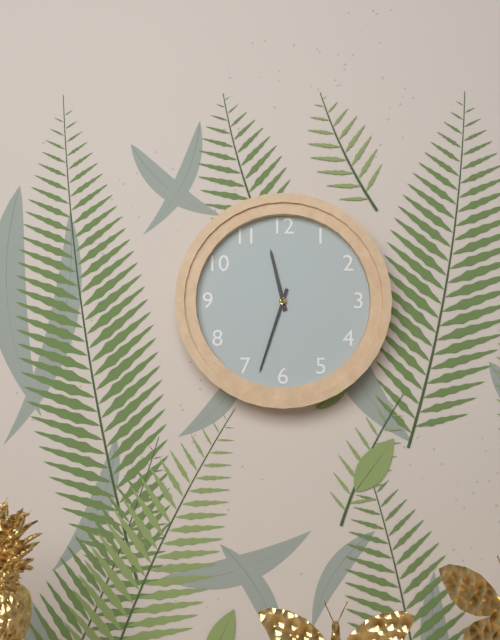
11,33
